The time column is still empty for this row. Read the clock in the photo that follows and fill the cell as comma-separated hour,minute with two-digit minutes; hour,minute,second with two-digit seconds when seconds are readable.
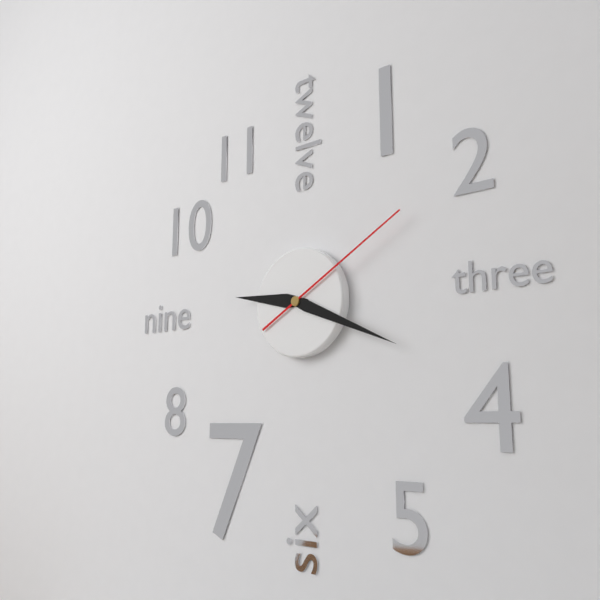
9,19,10
